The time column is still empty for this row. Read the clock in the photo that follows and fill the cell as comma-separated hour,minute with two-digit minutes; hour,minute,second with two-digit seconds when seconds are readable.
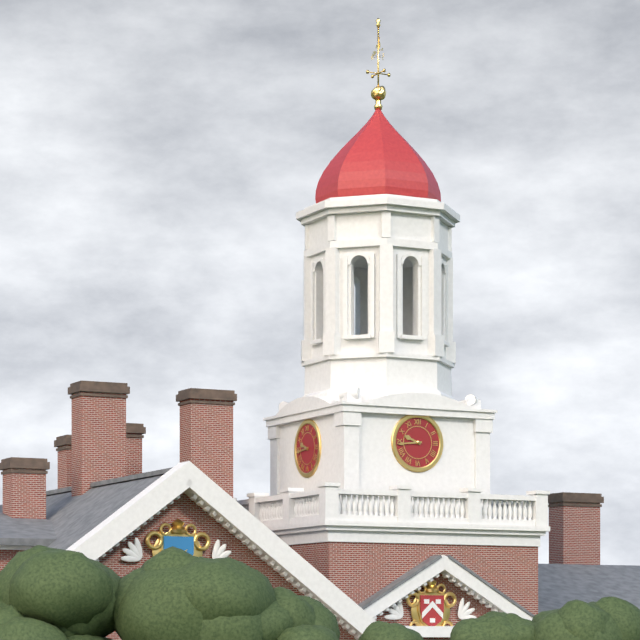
9,44
